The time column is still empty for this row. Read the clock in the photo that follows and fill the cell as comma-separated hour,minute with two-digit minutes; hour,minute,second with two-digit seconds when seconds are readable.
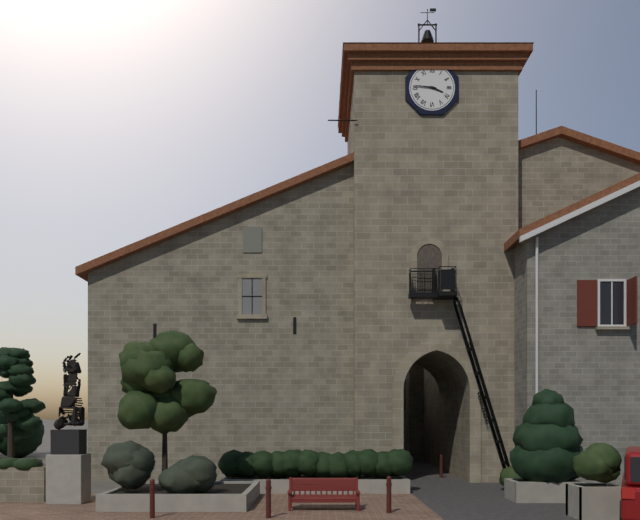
3,46
